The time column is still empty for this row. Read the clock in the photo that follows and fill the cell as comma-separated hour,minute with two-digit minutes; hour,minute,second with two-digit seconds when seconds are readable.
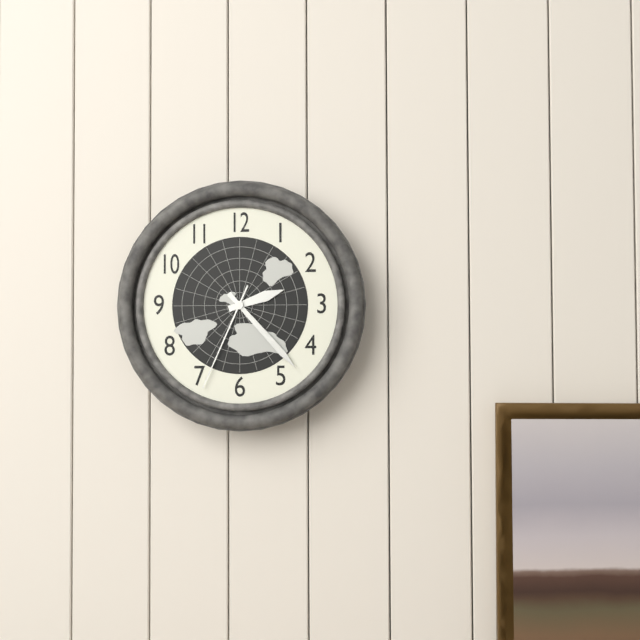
2,23,34
